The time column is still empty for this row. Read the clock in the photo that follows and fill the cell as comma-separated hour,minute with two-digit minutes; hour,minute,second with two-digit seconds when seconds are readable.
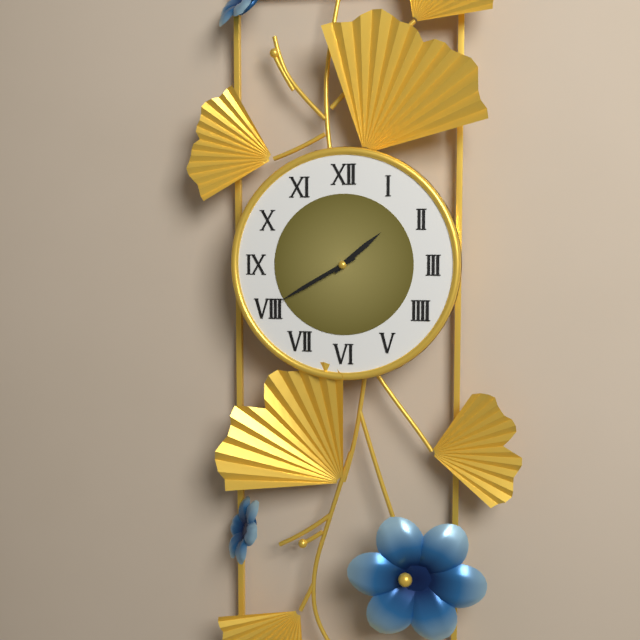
1,40
